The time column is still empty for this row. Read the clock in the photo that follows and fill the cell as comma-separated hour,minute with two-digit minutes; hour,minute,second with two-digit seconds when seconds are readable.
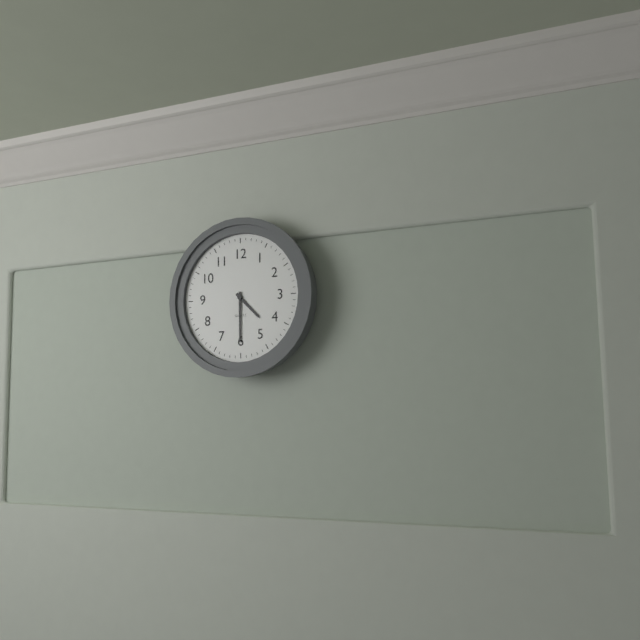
4,30
